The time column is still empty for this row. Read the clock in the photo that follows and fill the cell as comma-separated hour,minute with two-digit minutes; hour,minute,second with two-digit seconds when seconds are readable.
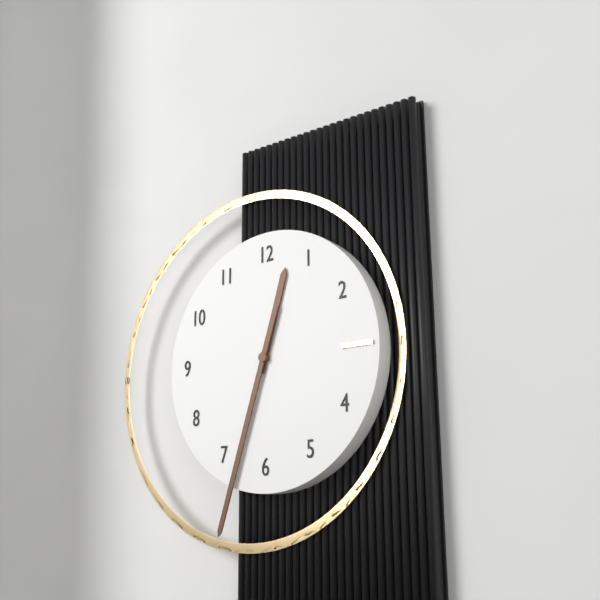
12,33
